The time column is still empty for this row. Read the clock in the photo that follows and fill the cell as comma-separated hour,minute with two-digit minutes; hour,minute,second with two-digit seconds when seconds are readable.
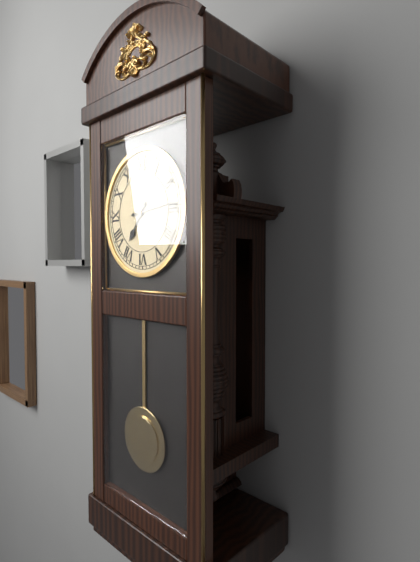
7,14
